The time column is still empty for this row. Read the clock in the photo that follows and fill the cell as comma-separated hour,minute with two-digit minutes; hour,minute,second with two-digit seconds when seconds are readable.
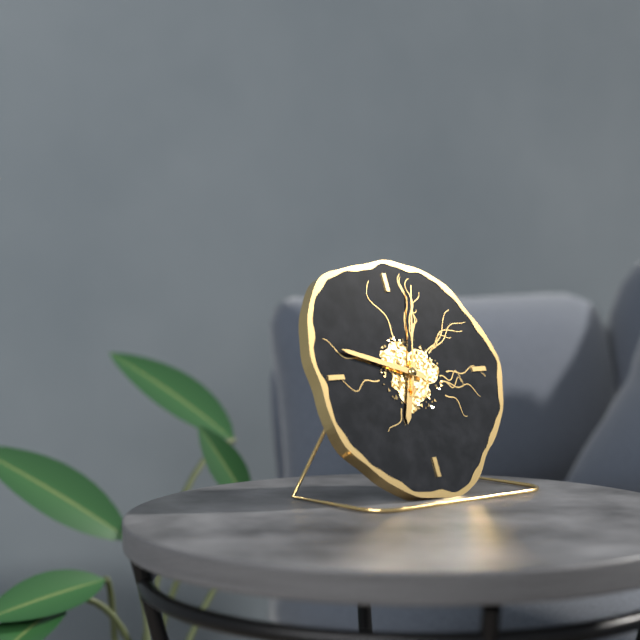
6,48,03
